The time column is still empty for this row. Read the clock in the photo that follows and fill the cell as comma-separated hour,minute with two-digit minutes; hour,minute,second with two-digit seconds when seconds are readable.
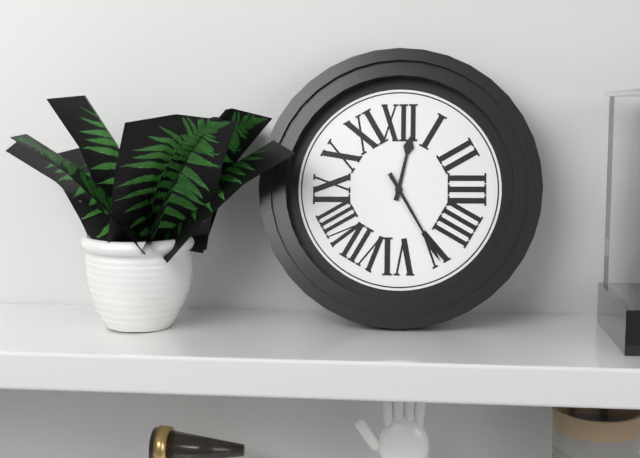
12,25
